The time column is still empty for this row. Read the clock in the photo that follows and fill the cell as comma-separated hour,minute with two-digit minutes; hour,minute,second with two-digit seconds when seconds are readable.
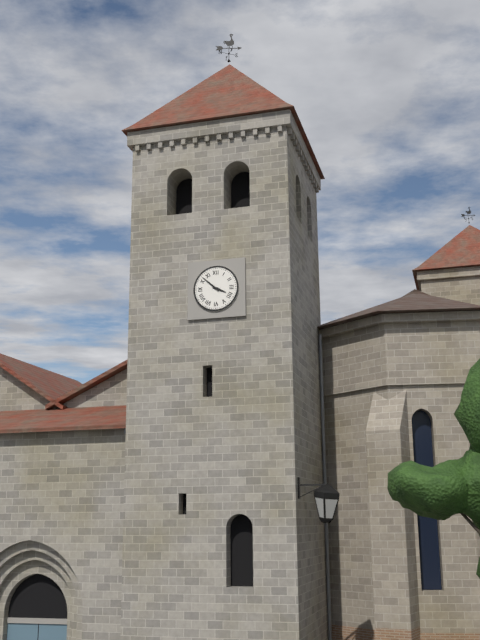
3,52
